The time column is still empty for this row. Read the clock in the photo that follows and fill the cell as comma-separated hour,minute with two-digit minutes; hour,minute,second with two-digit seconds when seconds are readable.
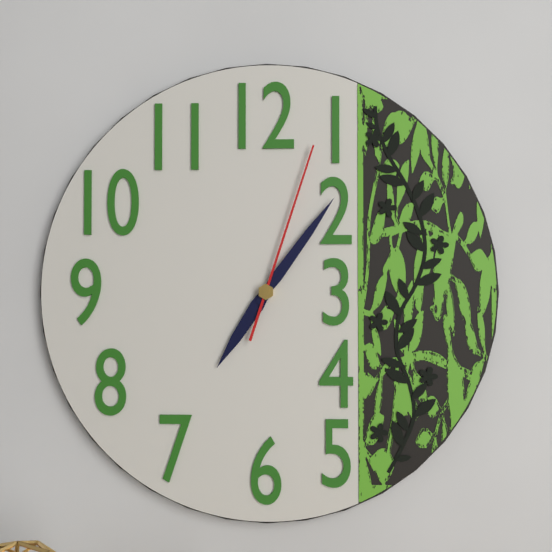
7,06,03
